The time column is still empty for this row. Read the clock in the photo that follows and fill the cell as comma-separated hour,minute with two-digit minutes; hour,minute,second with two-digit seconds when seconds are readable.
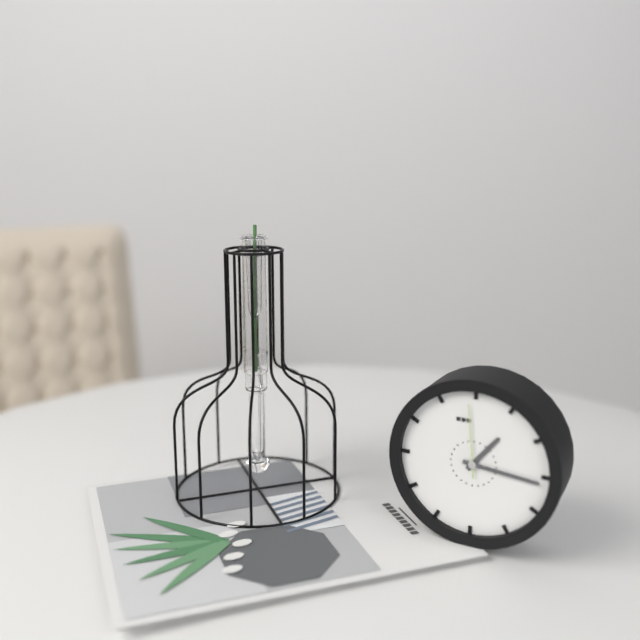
1,16,59
